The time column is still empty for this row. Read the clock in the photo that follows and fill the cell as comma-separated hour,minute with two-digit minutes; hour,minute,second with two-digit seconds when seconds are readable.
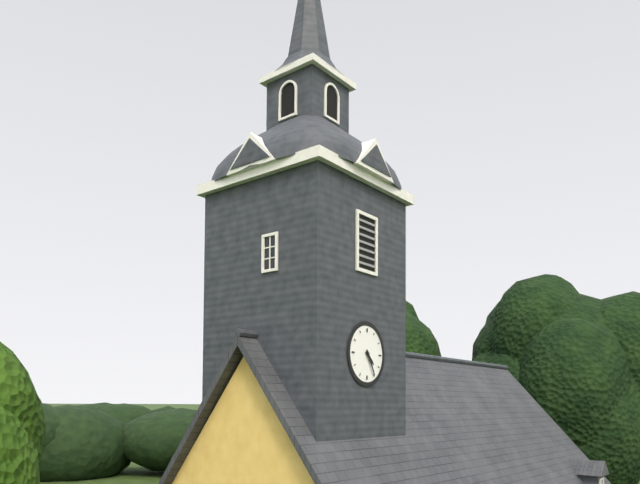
4,25
